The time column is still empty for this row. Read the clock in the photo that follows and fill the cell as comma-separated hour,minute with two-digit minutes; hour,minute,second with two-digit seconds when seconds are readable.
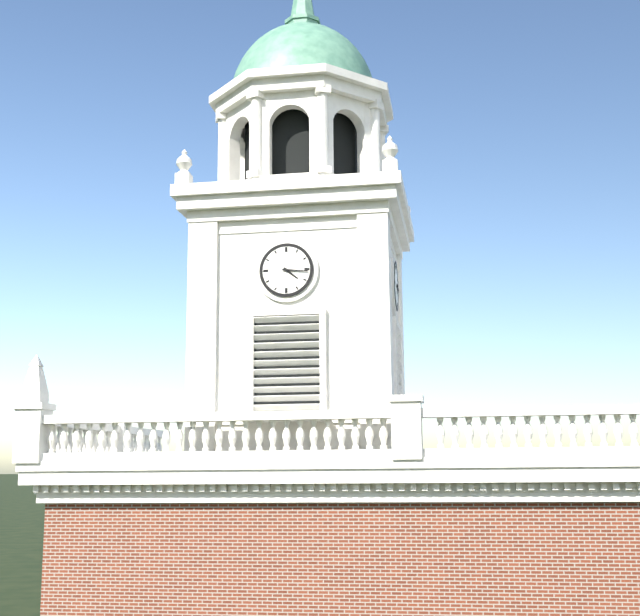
4,16
